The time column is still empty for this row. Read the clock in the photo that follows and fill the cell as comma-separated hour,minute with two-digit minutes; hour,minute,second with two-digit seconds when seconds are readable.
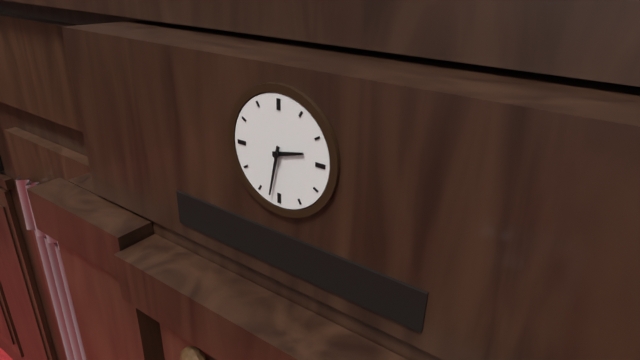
2,32
